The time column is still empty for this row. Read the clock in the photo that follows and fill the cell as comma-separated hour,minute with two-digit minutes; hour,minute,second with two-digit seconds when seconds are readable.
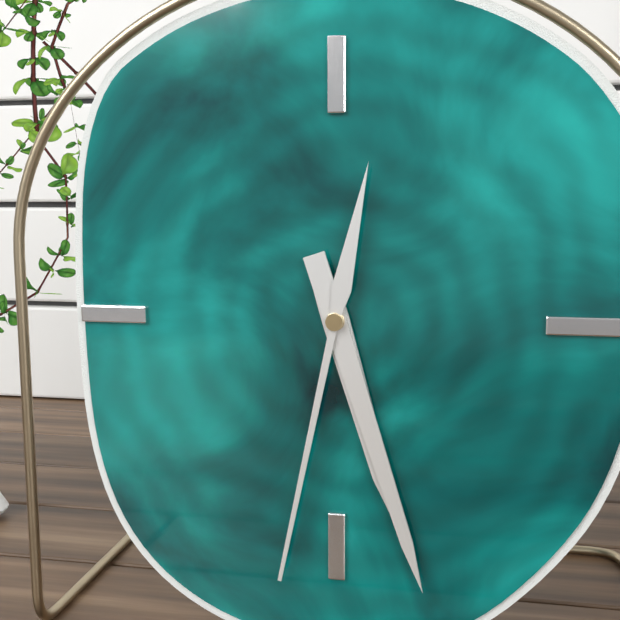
5,27,32
